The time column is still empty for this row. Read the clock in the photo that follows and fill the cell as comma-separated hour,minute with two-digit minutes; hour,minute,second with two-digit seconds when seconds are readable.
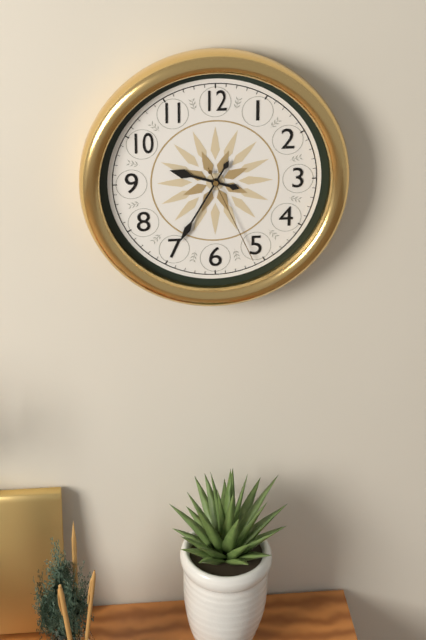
9,35,26
